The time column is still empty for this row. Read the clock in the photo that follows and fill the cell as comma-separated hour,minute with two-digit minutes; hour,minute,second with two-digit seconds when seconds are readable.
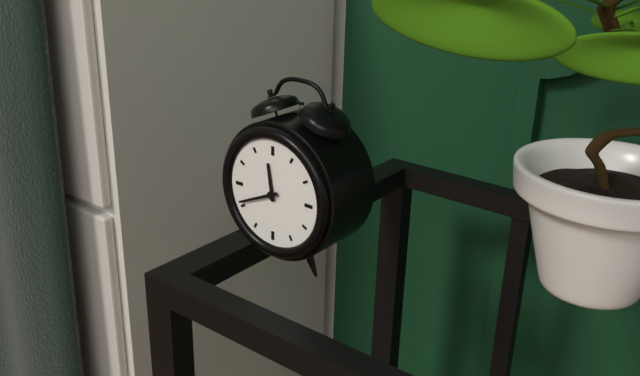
11,41
